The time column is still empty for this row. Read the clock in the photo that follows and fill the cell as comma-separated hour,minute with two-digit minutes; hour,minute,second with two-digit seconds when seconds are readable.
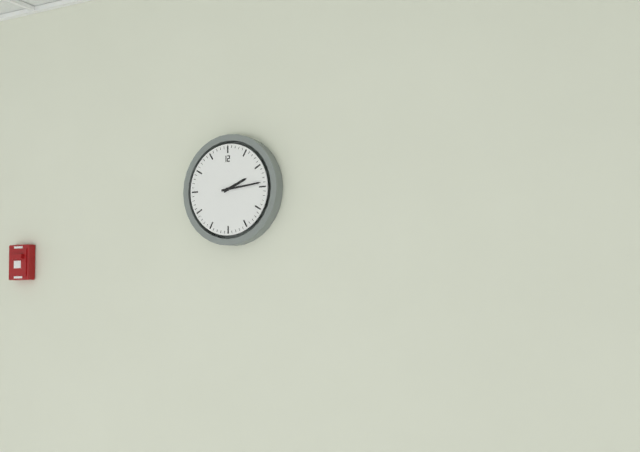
2,14
